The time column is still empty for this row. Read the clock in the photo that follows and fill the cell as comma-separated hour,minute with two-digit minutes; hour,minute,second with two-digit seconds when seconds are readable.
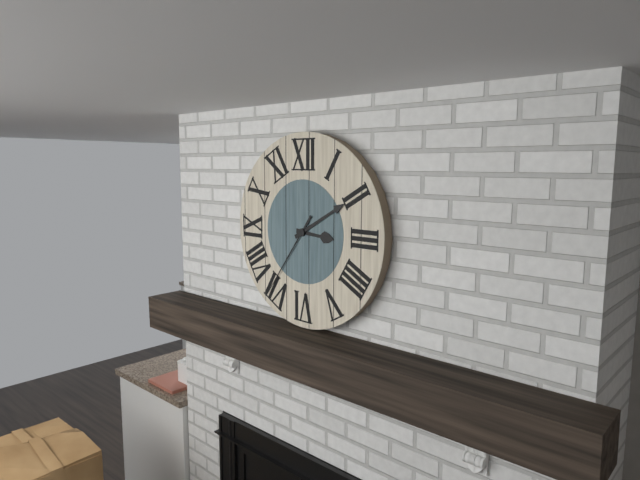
3,10,36
